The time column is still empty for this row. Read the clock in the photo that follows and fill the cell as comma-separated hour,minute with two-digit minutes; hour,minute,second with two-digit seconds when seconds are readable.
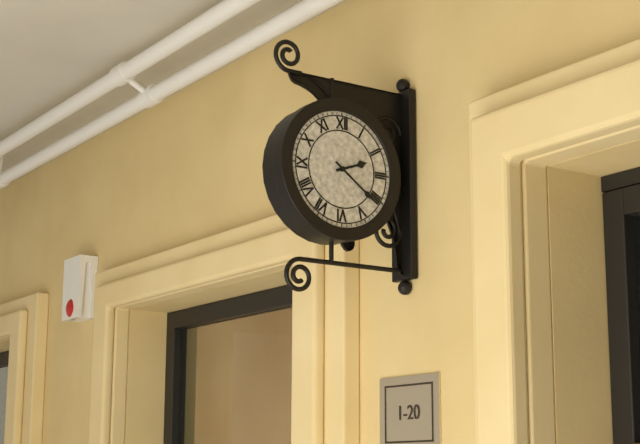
2,21
